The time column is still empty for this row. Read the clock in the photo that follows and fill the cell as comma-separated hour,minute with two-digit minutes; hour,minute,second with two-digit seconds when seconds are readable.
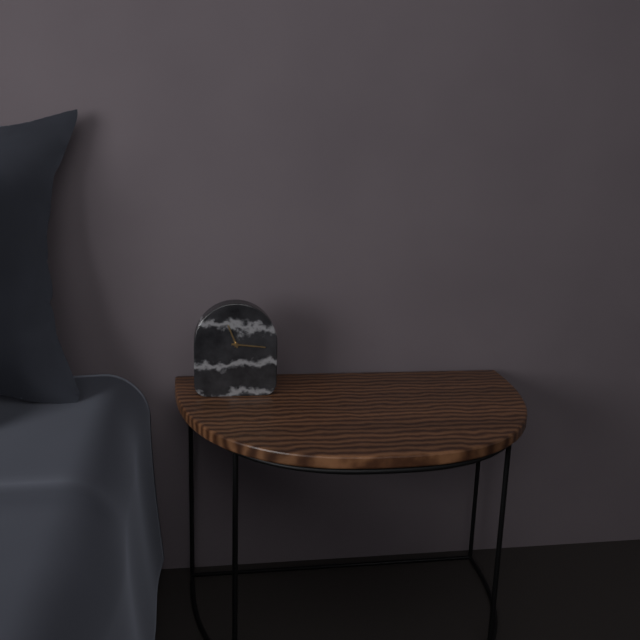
11,16
